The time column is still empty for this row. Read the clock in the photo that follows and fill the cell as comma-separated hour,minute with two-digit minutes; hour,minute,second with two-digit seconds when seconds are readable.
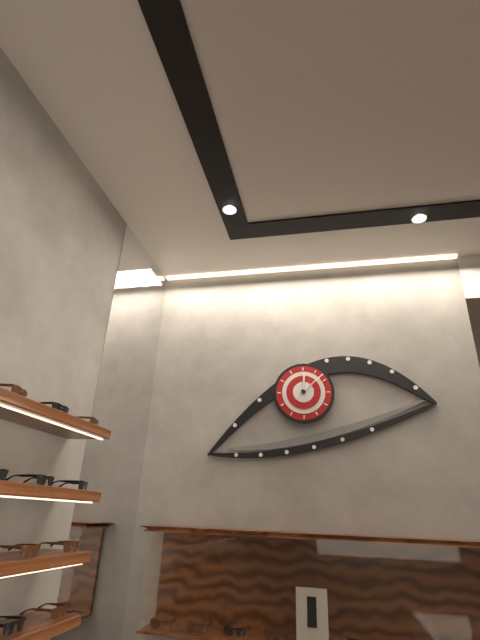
12,08
